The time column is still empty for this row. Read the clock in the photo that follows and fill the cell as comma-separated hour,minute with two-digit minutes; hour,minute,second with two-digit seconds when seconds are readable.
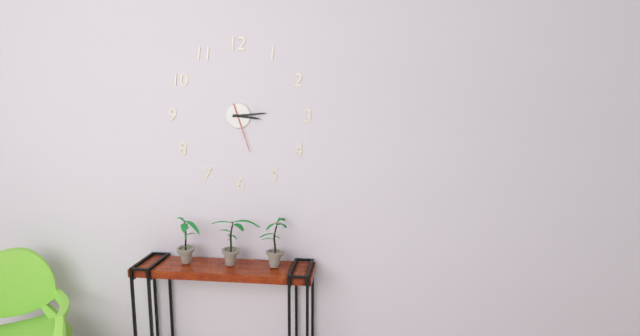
3,14
